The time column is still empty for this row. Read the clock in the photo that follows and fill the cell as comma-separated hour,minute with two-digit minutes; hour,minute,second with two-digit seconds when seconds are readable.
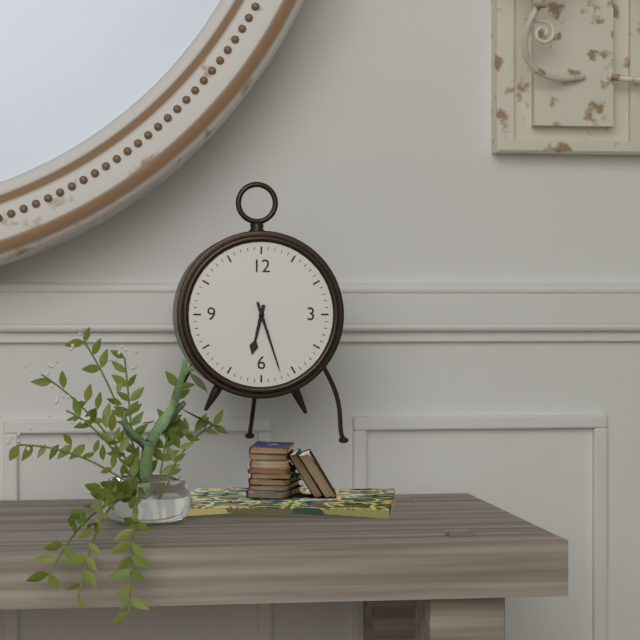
6,27
